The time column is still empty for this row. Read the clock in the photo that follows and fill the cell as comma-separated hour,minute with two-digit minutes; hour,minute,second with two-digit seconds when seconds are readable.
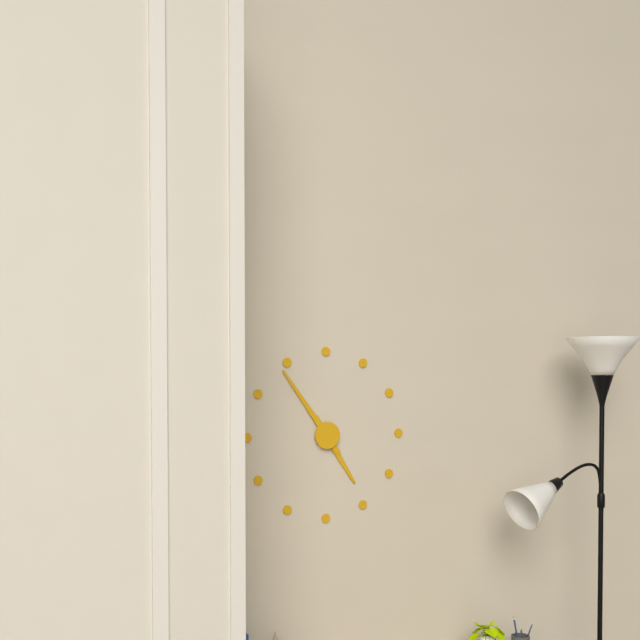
4,54
